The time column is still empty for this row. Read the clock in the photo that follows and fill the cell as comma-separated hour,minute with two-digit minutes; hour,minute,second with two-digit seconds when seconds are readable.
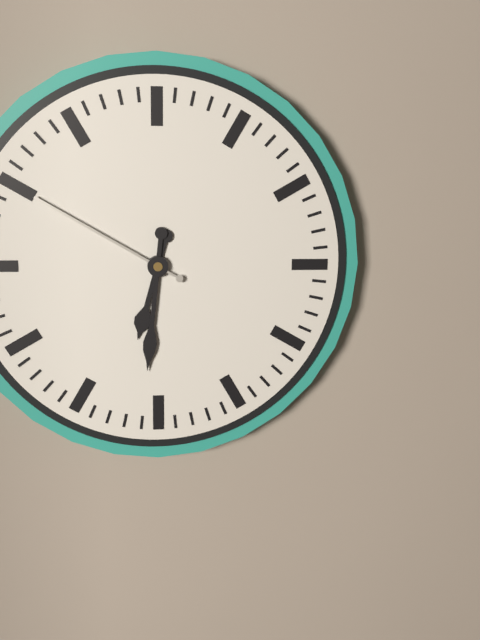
6,31,50
